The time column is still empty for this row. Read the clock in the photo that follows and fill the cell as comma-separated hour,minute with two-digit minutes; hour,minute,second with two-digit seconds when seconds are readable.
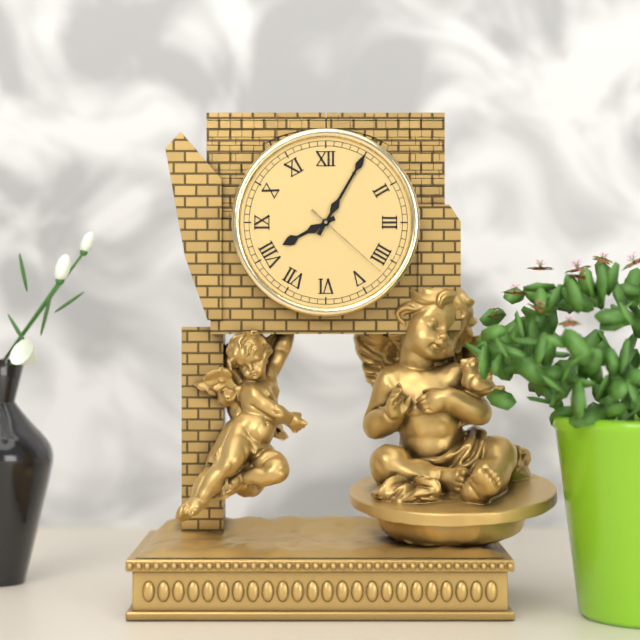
8,05,22
